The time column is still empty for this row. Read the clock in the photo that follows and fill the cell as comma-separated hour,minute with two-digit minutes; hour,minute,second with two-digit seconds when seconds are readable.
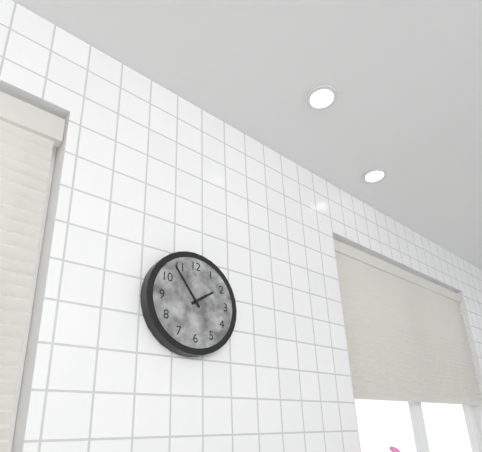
1,54
